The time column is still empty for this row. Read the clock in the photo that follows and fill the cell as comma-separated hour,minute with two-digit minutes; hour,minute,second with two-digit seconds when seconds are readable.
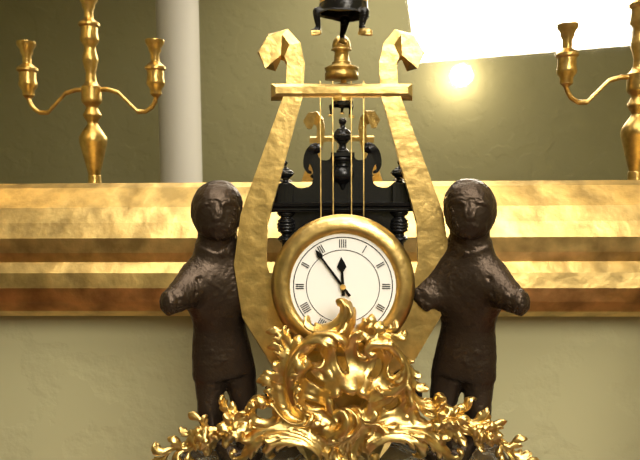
11,54
